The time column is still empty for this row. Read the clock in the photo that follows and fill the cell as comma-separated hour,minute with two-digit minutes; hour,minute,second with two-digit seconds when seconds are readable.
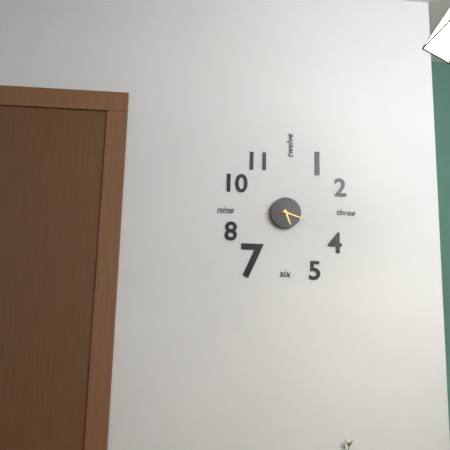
5,18
